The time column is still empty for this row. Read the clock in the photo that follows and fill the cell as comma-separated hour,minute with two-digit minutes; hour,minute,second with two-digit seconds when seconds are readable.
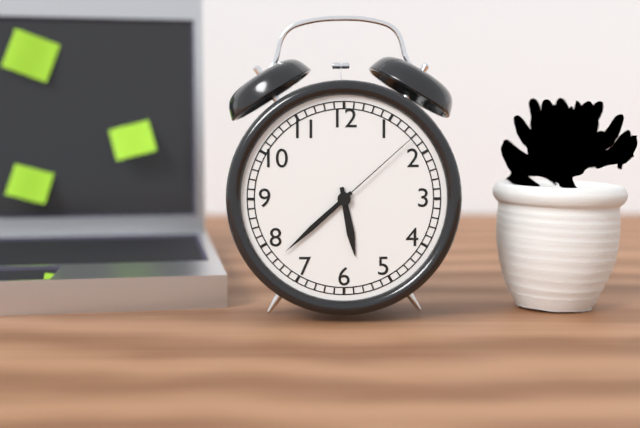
5,38,08
